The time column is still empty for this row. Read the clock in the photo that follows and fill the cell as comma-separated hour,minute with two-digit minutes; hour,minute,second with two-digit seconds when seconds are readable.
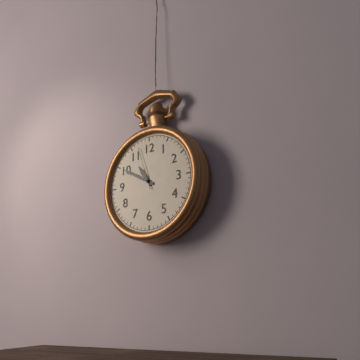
10,50
